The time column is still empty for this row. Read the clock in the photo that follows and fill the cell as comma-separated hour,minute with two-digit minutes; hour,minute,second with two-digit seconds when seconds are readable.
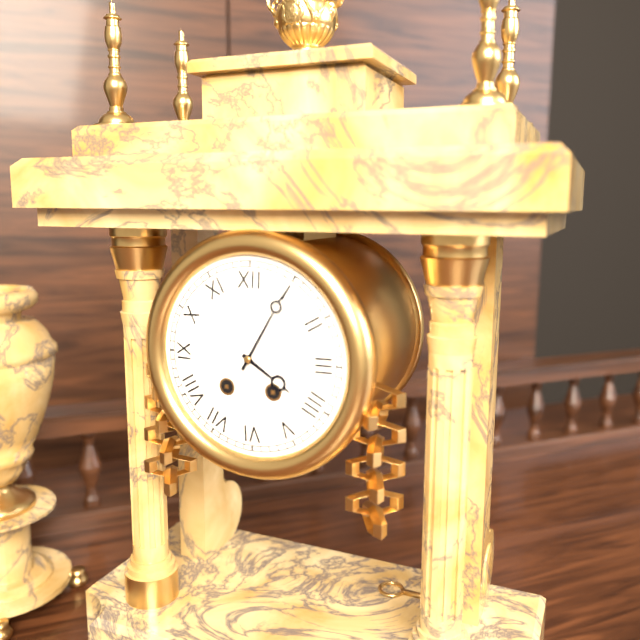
4,05
